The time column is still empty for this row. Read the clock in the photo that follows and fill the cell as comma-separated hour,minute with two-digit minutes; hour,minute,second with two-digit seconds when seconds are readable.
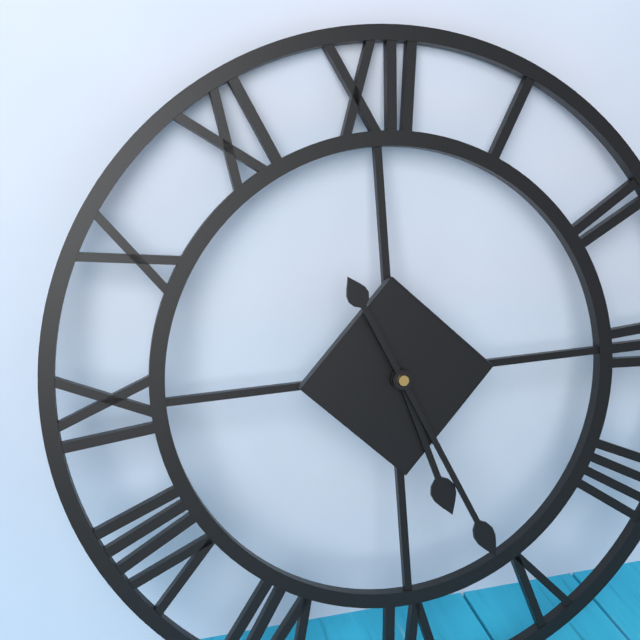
5,26
